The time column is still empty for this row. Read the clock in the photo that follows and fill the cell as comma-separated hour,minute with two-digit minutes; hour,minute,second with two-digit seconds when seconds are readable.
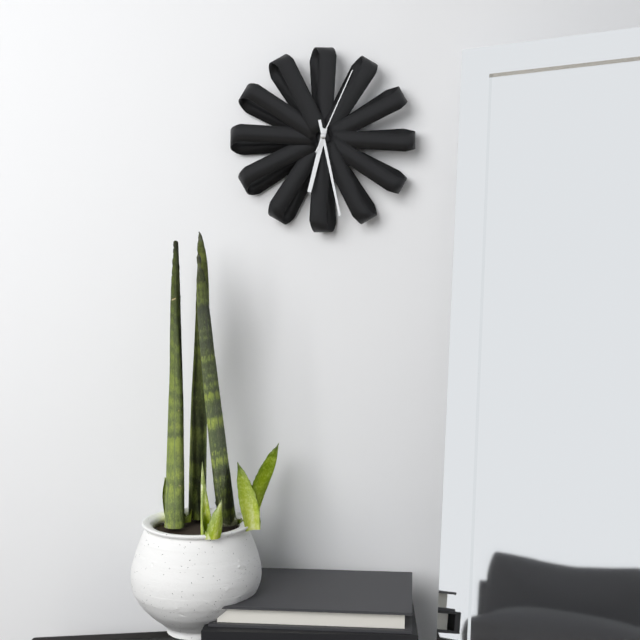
6,28,04
